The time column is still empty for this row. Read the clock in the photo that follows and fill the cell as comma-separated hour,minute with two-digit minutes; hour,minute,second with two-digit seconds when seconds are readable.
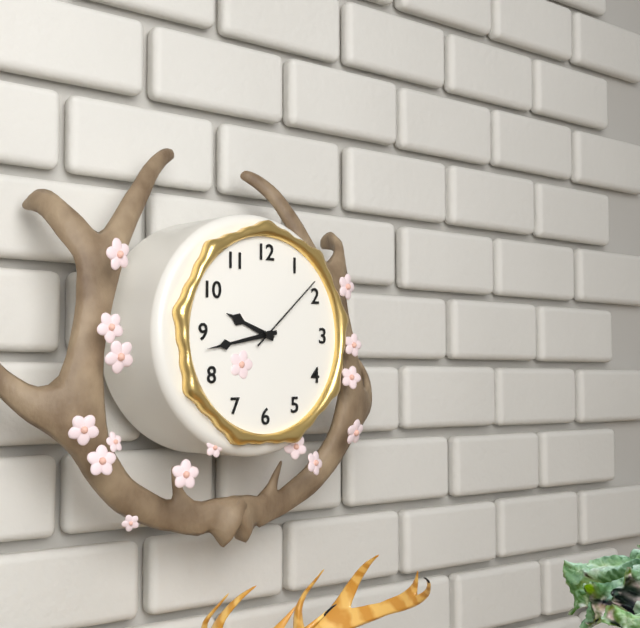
9,43,08
